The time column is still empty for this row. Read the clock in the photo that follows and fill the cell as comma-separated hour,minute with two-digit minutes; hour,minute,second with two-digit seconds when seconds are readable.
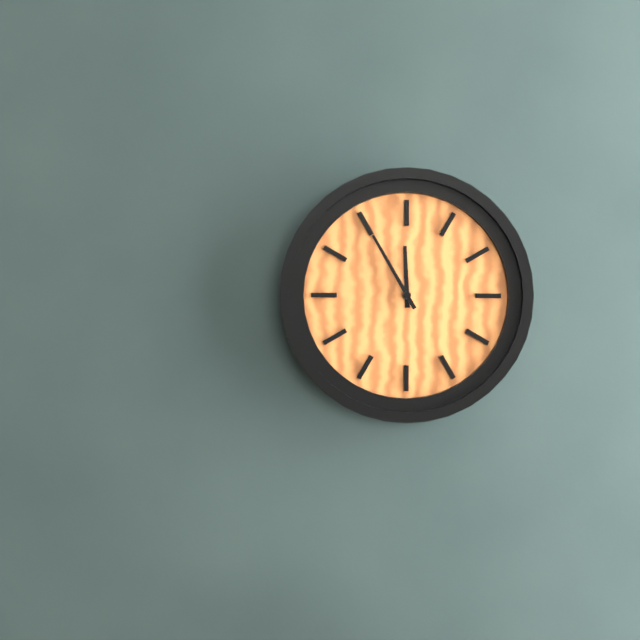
11,55
